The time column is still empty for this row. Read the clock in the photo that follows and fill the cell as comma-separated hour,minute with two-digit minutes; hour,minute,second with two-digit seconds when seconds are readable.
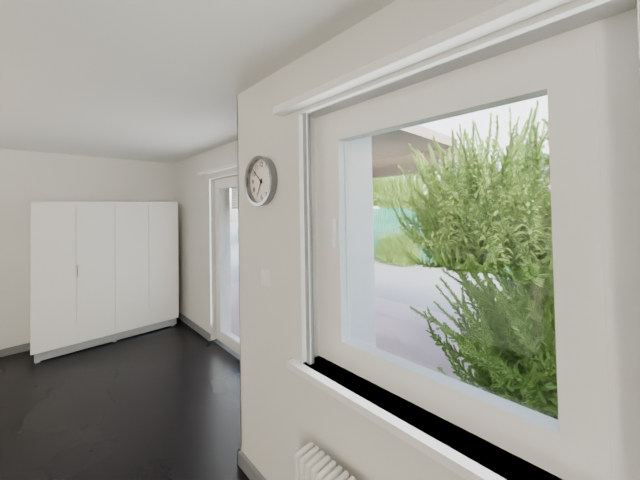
6,52
